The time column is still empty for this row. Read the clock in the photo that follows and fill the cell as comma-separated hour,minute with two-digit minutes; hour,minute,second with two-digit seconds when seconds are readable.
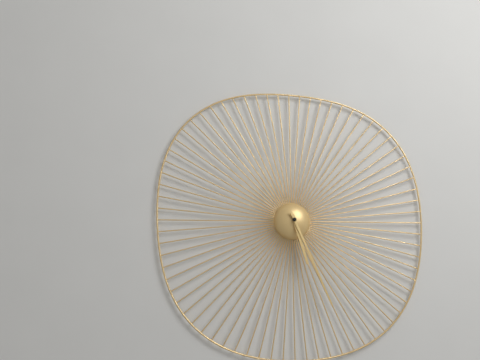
5,26
